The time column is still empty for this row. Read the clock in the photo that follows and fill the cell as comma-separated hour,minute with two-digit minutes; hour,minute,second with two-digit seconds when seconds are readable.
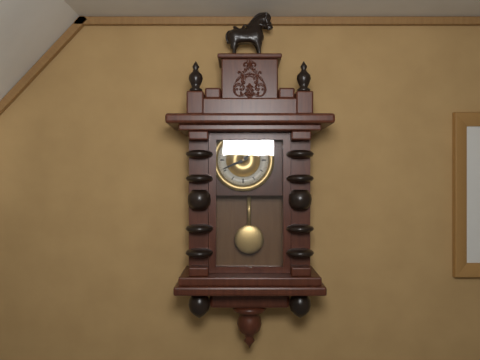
1,41
